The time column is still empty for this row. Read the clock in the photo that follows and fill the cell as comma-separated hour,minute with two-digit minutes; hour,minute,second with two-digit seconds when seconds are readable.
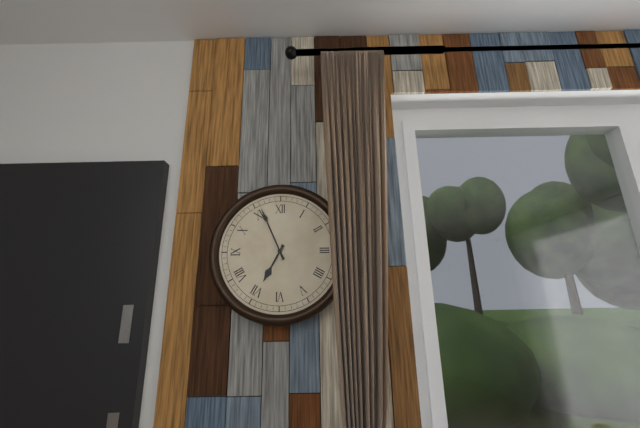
6,56
